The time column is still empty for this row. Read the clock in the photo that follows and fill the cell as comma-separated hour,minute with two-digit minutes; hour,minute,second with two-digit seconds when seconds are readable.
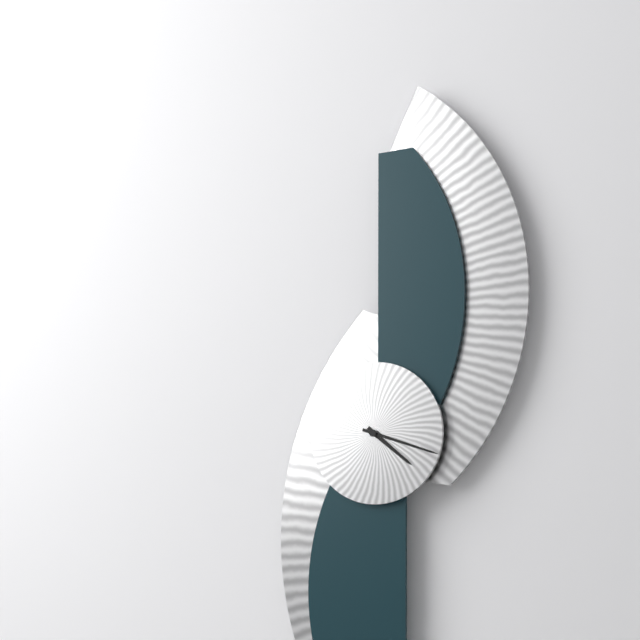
4,18
